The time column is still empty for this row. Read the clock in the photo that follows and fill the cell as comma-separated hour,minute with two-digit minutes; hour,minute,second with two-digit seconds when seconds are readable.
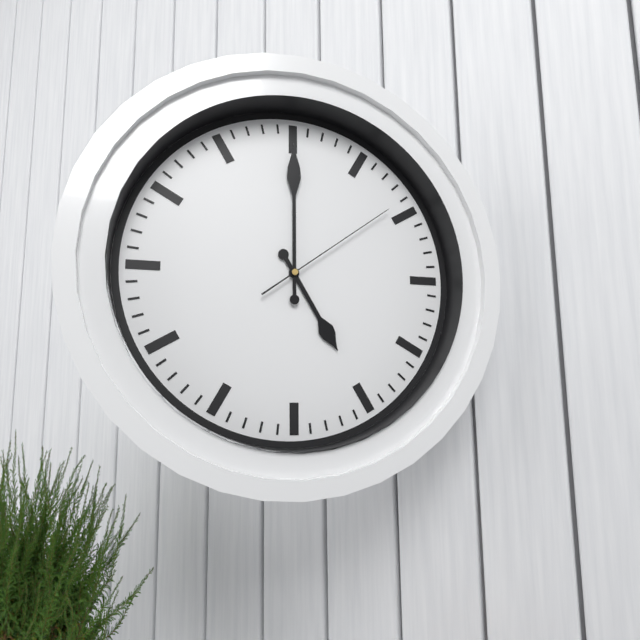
5,00,09
